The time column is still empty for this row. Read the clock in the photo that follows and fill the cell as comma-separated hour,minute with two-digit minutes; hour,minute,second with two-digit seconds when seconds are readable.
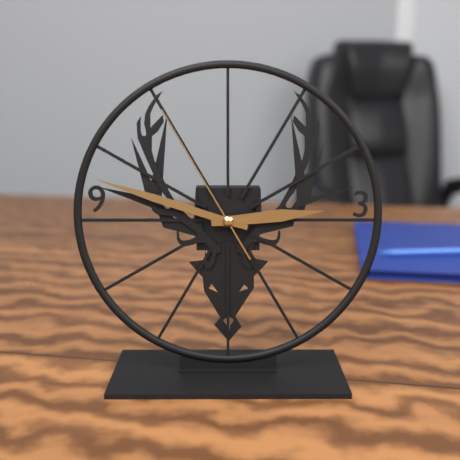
2,48,55
